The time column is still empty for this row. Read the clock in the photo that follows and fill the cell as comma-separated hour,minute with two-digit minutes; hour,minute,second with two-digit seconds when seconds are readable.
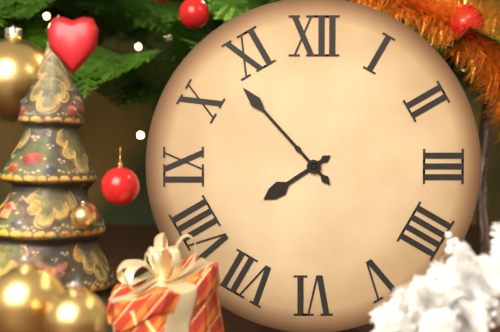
7,53
